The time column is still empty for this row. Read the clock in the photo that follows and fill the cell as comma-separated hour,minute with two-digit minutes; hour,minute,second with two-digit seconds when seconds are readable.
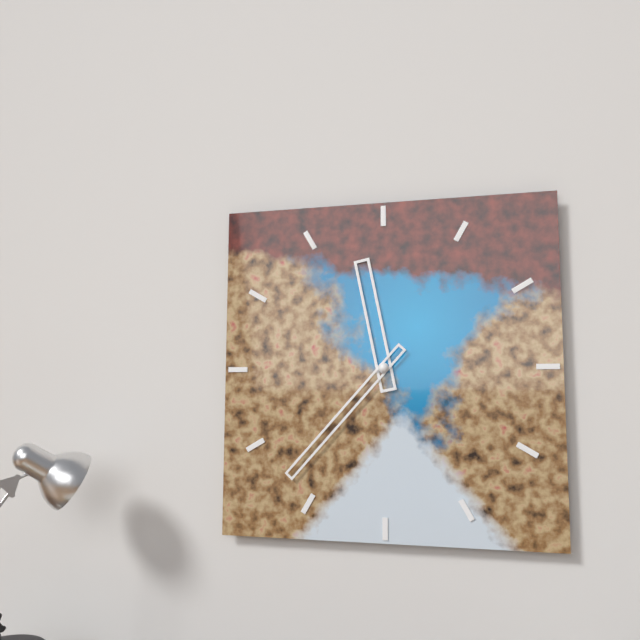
11,37
